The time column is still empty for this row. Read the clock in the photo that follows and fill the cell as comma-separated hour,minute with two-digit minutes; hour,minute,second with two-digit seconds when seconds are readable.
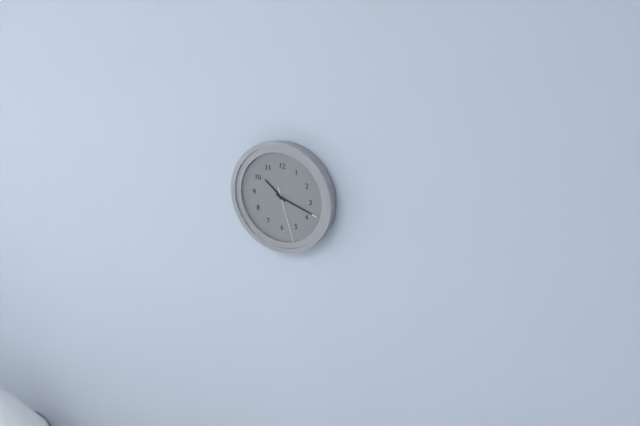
10,18,27
